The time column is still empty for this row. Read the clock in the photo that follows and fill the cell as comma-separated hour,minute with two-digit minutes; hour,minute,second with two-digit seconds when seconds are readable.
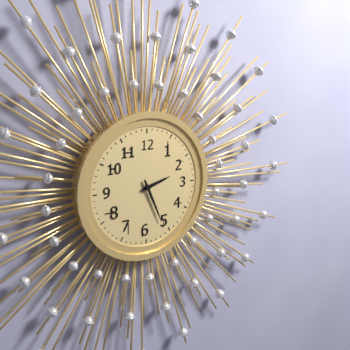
2,26
